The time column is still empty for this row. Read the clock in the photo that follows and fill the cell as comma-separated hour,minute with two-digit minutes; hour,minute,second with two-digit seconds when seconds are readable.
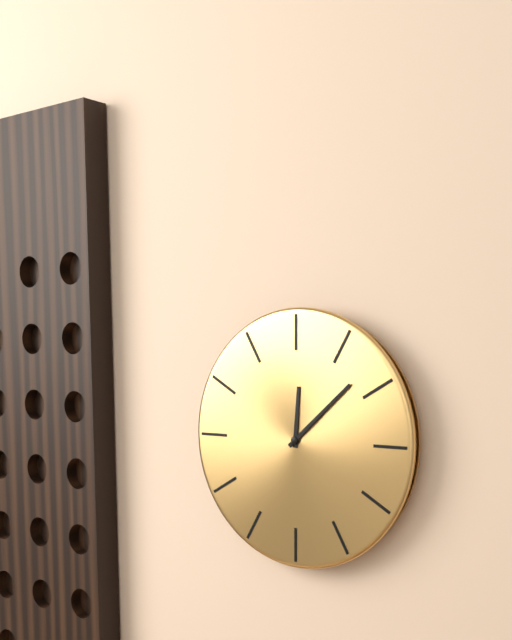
12,08
